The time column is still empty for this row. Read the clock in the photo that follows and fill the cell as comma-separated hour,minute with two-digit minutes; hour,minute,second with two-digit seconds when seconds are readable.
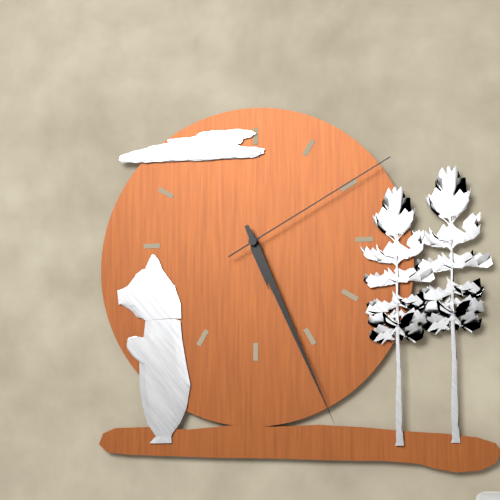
5,26,10
